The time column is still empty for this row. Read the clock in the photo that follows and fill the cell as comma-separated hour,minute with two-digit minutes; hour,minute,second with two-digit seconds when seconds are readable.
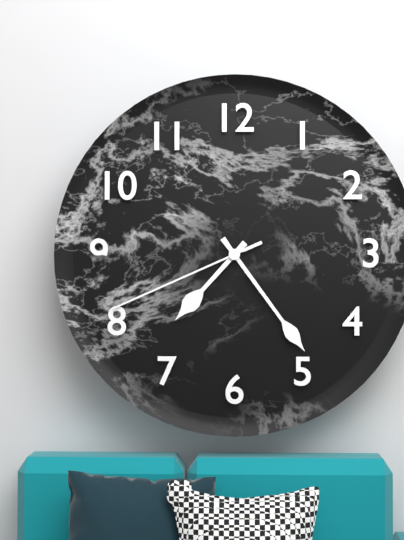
7,24,41
